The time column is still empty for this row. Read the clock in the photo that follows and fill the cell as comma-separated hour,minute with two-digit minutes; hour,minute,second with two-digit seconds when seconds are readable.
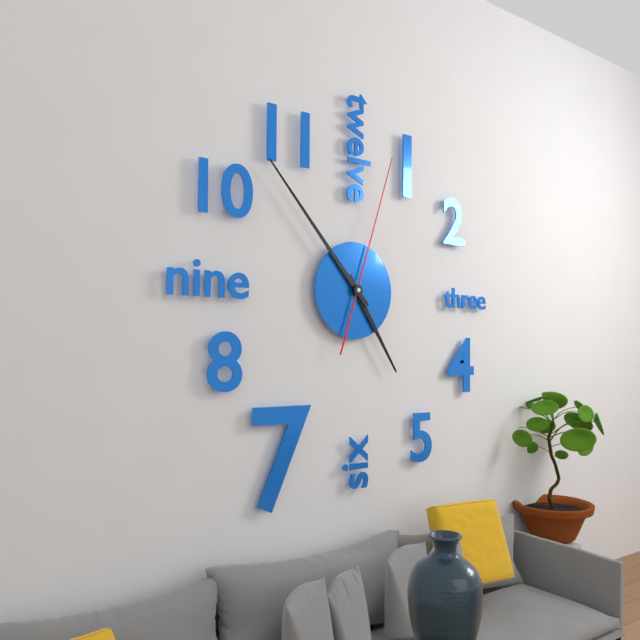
4,53,03
